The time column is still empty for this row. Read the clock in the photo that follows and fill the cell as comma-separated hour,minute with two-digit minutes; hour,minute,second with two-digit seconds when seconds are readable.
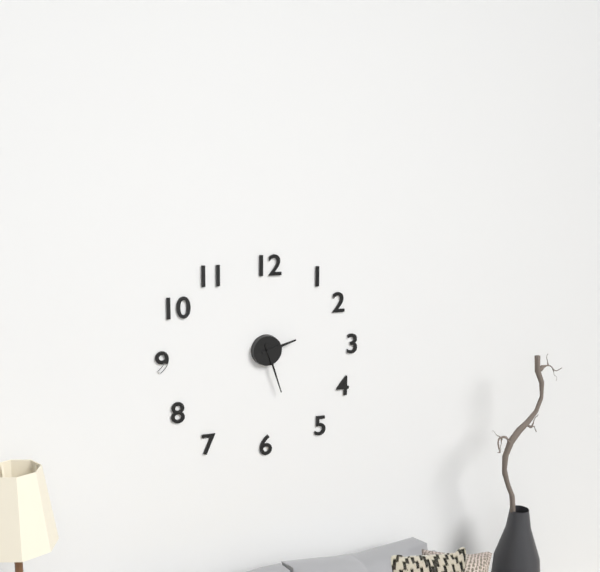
2,27
